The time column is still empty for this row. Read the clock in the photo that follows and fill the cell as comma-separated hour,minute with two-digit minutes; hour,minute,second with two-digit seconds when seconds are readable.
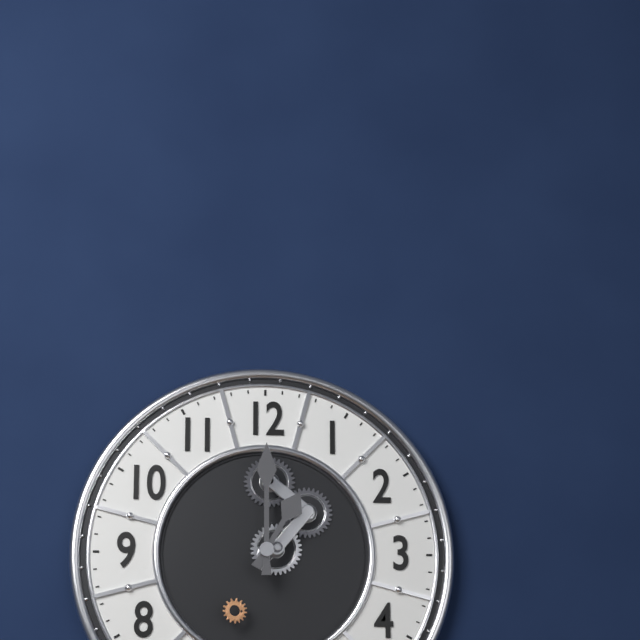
1,00
